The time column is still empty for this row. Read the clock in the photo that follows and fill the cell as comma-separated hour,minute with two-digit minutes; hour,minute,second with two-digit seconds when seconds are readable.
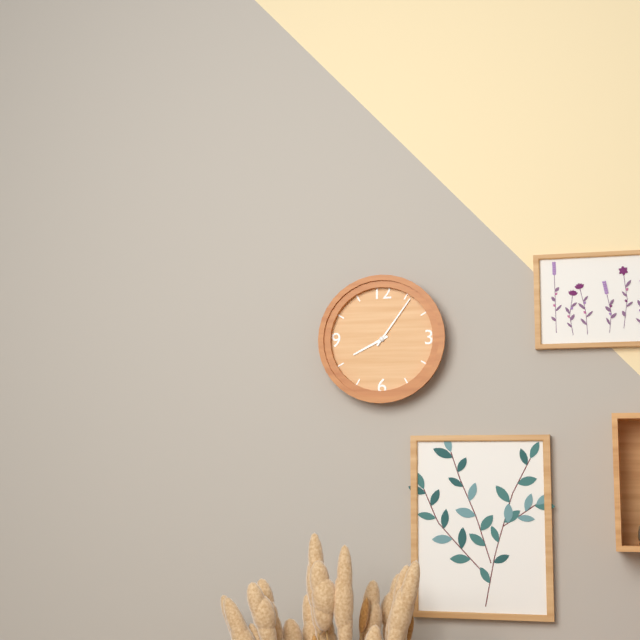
8,06
